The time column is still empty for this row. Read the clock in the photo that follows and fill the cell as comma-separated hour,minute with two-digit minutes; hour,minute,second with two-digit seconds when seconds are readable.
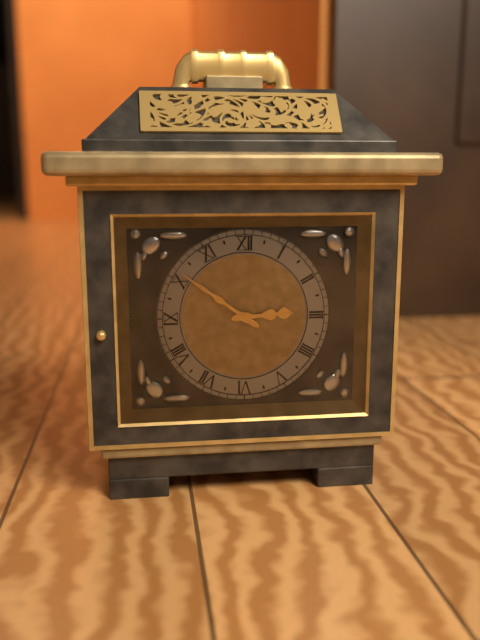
2,51
